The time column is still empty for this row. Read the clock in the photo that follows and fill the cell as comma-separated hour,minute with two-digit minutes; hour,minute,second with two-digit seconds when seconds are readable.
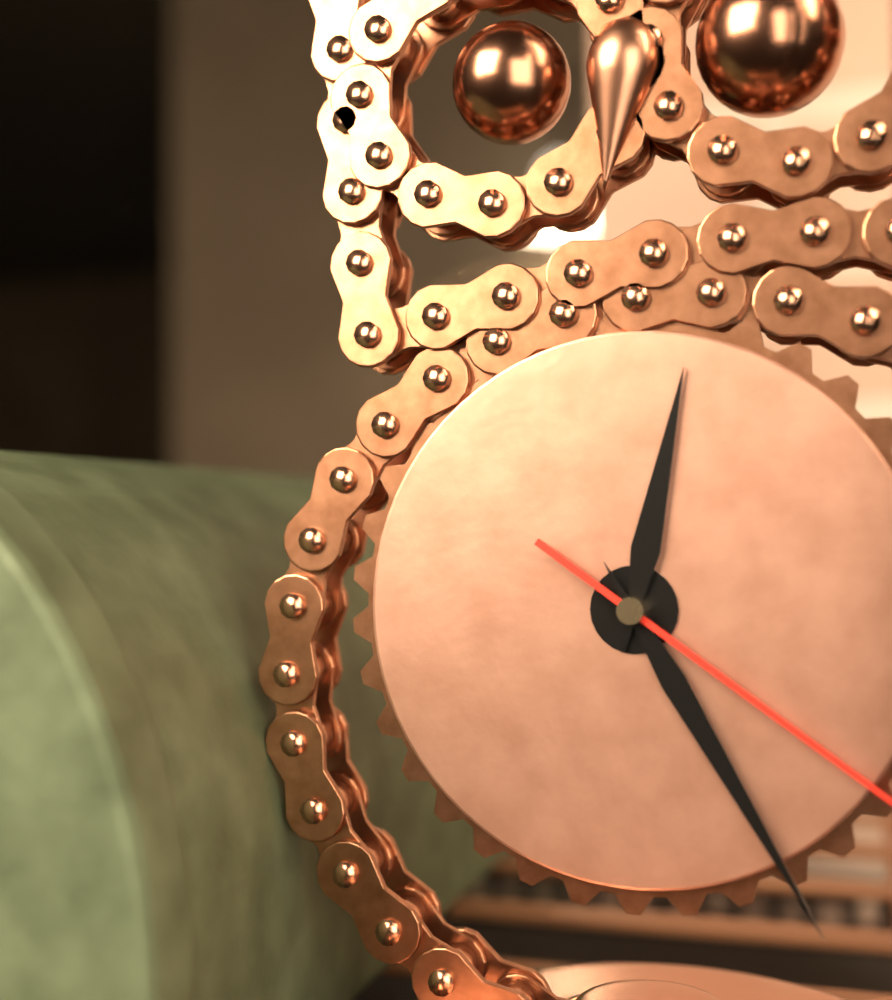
12,25
